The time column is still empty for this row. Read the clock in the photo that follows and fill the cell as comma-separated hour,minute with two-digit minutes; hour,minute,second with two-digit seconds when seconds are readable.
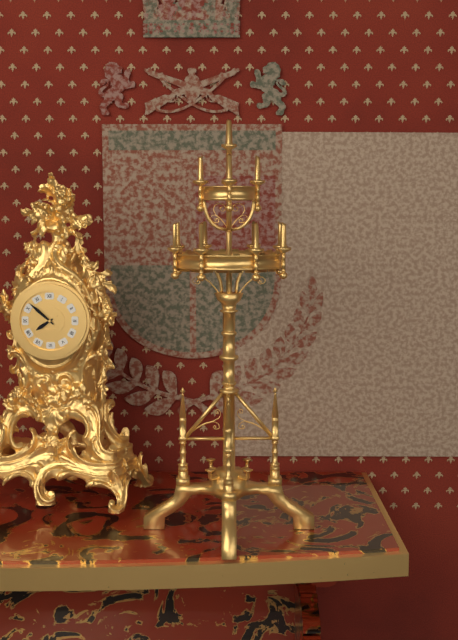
7,52
